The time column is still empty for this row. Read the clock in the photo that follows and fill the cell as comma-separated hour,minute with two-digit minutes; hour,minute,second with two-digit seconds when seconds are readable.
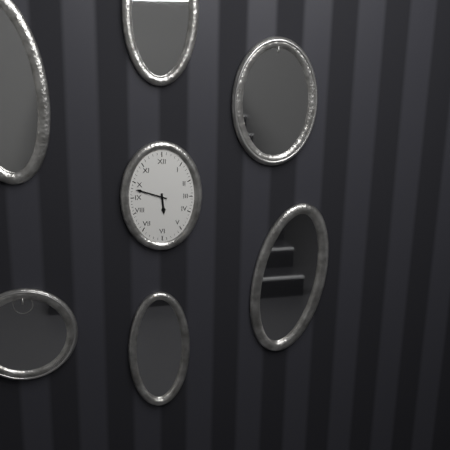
5,48
